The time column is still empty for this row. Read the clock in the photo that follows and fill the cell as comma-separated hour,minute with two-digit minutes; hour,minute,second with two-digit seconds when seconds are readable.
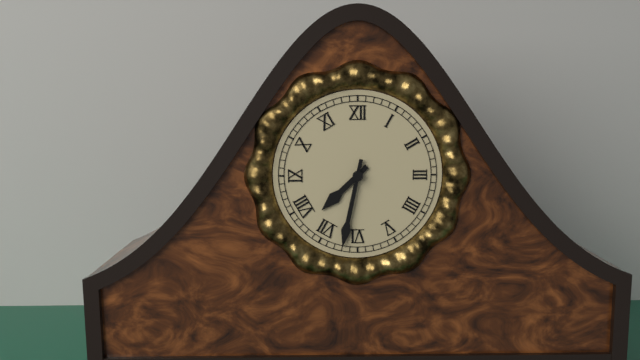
7,32
